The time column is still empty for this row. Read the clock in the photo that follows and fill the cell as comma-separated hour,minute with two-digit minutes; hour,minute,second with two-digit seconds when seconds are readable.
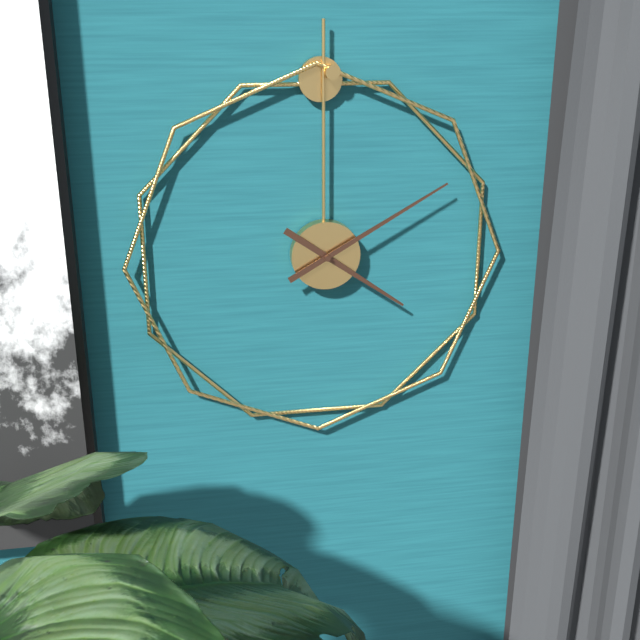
4,10
